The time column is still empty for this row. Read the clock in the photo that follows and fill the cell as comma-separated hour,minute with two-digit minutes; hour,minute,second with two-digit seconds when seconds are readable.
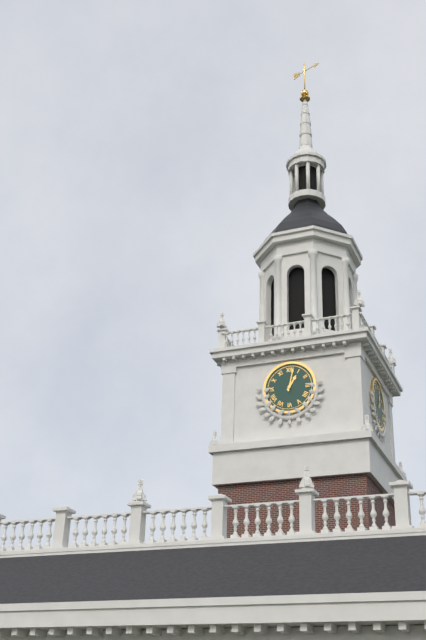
1,02
